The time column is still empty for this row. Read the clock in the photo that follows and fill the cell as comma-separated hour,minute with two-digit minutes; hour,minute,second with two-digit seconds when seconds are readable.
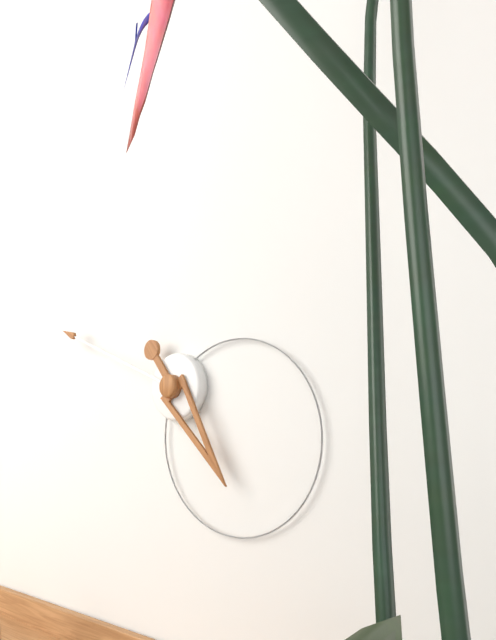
4,49
